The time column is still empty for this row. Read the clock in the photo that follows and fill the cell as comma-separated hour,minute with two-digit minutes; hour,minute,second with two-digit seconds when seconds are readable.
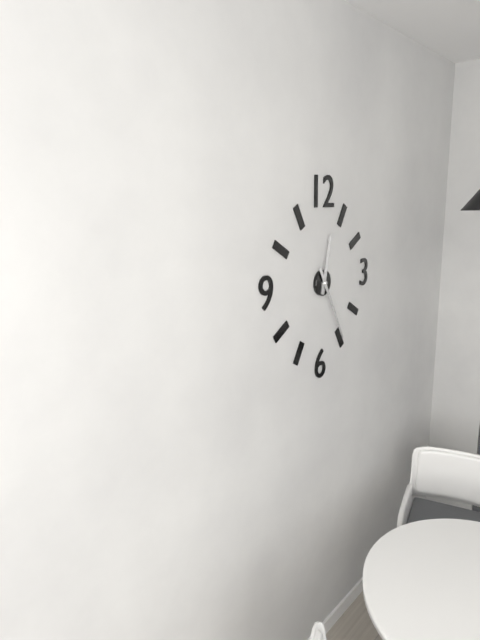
12,25
